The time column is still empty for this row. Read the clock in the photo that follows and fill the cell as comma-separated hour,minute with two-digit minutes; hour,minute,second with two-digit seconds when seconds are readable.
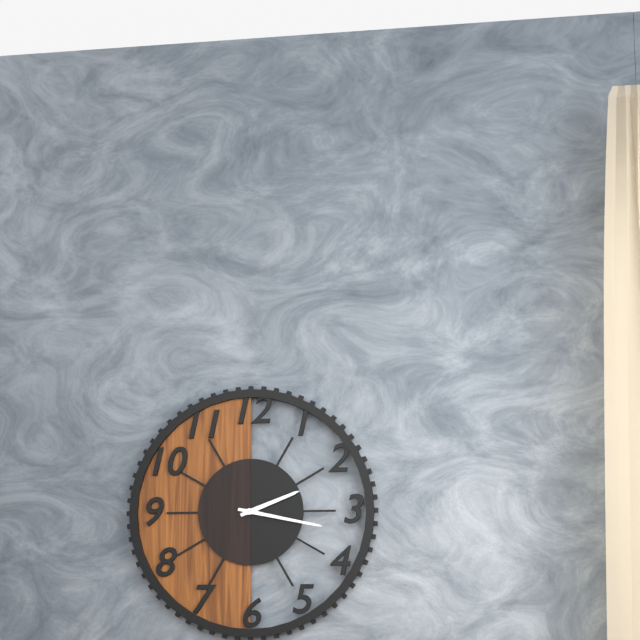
2,17
